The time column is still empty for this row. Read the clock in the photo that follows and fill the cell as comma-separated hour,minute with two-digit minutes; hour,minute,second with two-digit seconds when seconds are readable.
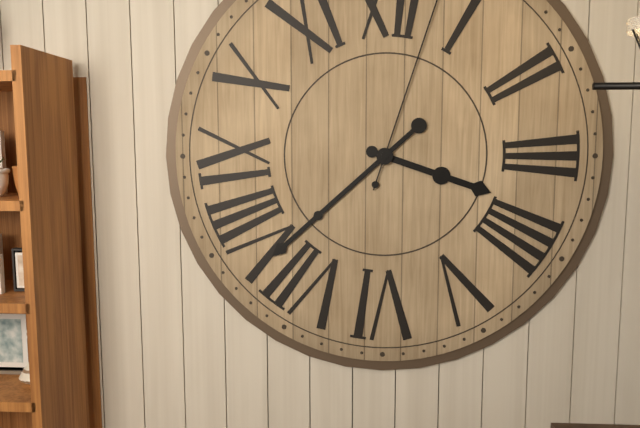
3,38
